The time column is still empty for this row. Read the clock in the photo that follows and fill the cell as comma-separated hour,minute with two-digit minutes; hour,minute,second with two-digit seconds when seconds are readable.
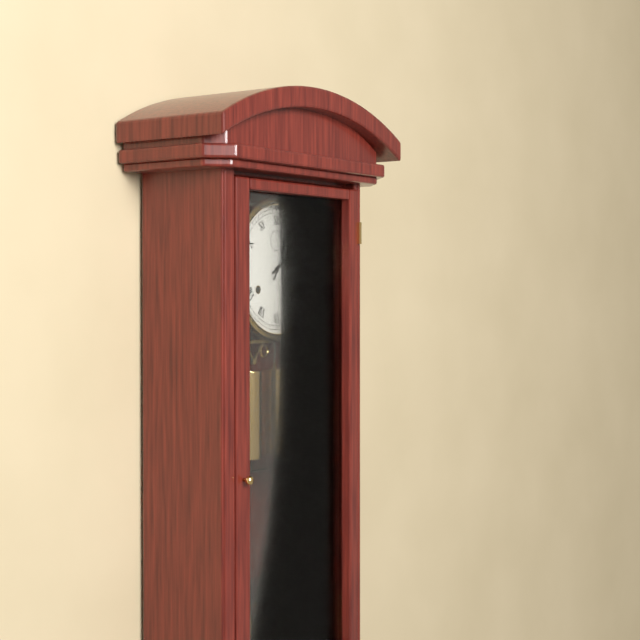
2,05
